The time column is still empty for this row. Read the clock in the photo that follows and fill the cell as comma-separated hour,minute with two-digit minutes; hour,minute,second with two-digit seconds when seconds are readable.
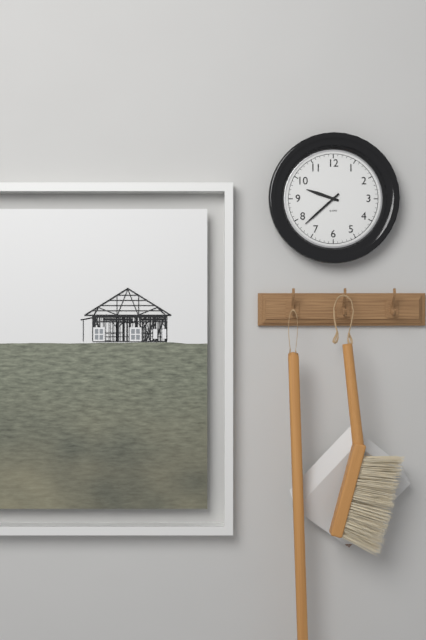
9,38
